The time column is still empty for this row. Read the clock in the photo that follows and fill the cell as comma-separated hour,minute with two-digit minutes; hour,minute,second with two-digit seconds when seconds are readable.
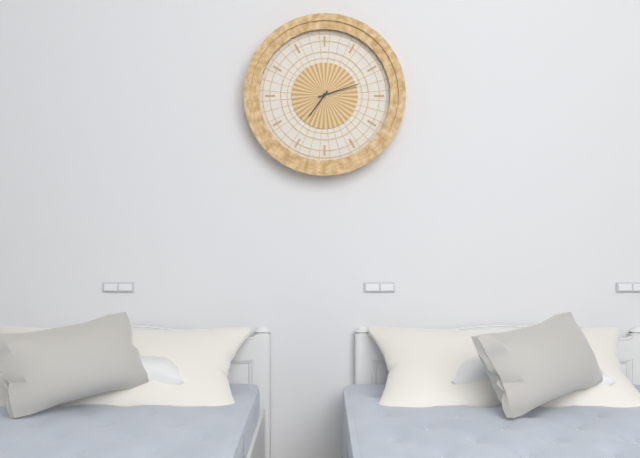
7,12
